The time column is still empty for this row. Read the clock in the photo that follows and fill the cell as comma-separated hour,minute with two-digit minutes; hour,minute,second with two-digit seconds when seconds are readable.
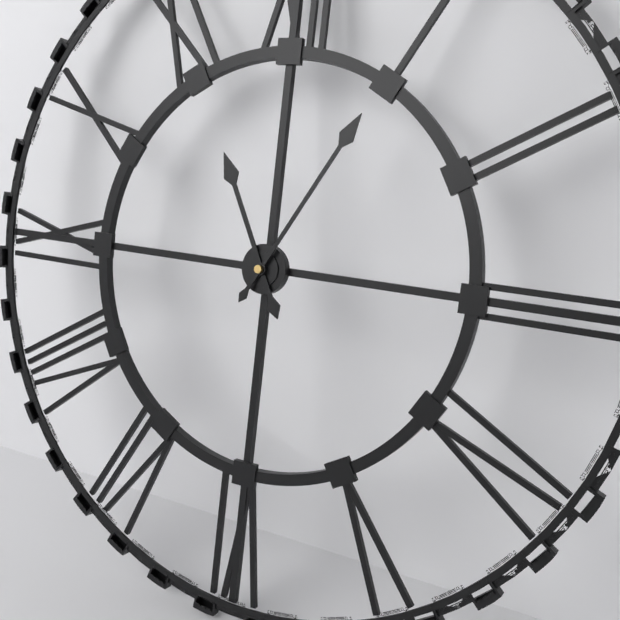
11,05
